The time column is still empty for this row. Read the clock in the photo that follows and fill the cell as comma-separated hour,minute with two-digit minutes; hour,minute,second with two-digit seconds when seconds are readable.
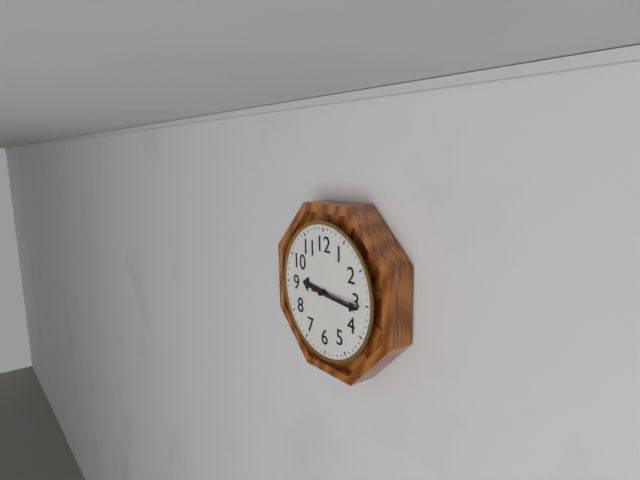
9,16
